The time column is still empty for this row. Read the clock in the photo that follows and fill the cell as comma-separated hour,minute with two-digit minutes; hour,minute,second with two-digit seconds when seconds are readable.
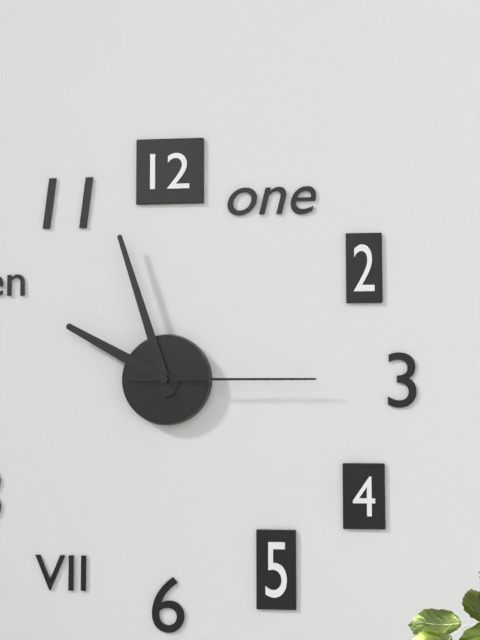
9,57,15
